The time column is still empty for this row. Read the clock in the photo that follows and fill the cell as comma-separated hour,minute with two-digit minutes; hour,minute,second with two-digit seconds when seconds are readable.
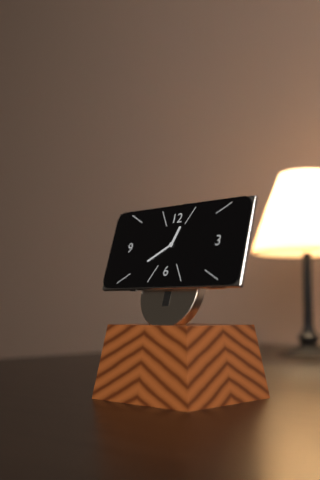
12,40
